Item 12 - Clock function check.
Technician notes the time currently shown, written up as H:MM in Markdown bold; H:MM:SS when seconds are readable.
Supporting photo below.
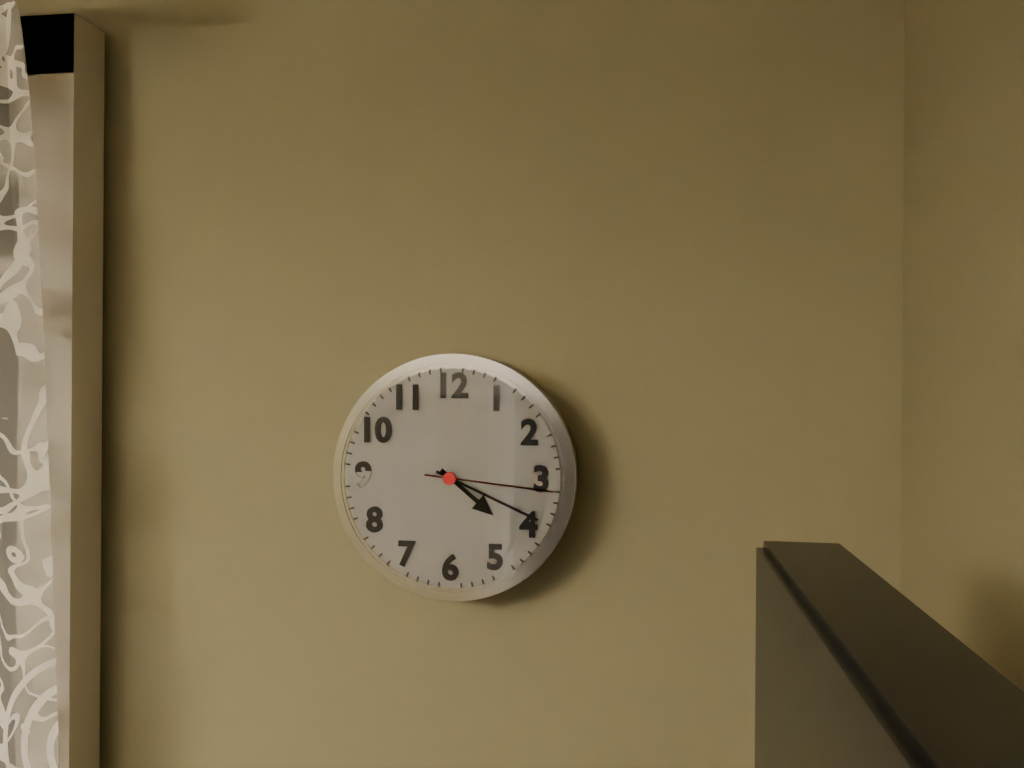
**4:19:16**
